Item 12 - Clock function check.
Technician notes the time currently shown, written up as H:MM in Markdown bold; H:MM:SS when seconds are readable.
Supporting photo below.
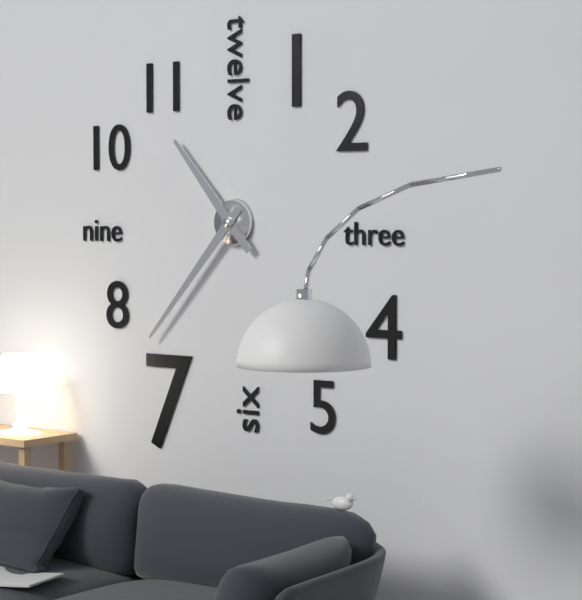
**10:37**
